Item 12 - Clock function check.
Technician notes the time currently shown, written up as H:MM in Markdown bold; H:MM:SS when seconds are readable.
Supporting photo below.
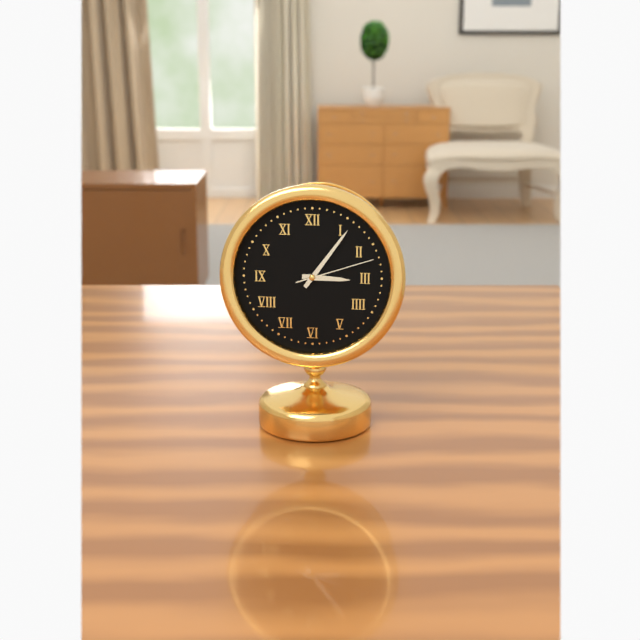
**3:06:12**
